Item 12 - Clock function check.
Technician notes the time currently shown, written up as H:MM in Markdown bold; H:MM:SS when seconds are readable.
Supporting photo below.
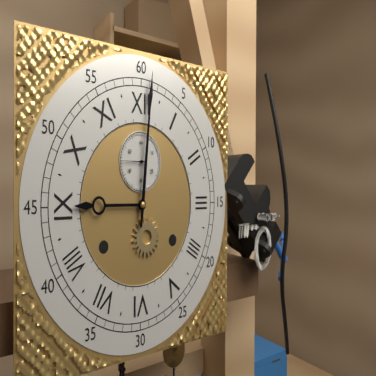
**9:01**
